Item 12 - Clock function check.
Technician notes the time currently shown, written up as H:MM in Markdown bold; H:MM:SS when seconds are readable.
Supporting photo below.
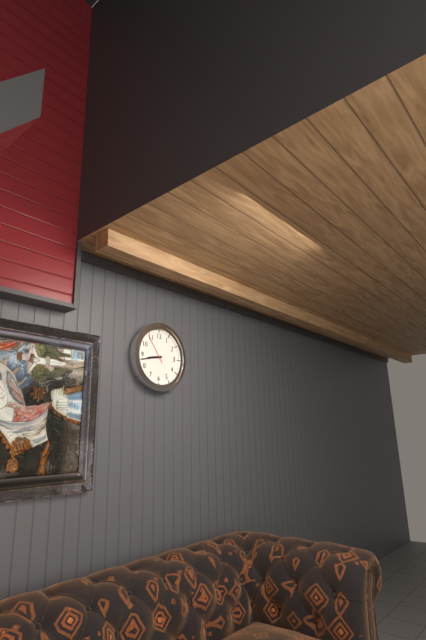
**8:43**
